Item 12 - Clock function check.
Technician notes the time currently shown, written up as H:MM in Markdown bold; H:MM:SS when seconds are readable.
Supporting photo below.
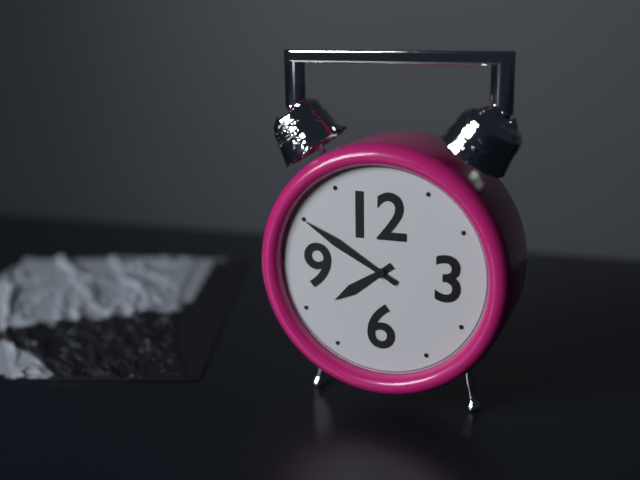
**7:50**
